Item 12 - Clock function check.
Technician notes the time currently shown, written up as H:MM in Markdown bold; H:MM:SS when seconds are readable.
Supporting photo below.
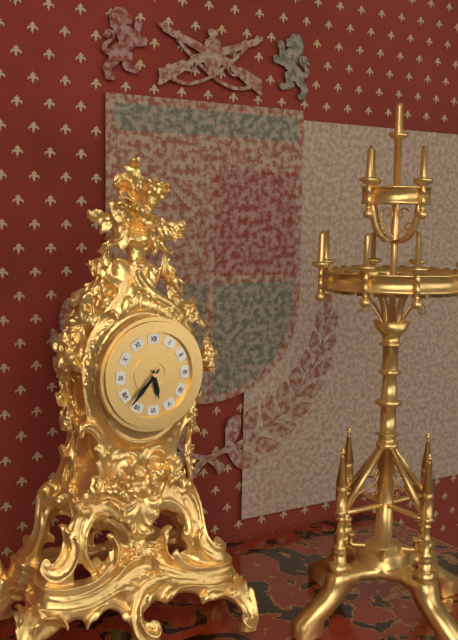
**5:37**
